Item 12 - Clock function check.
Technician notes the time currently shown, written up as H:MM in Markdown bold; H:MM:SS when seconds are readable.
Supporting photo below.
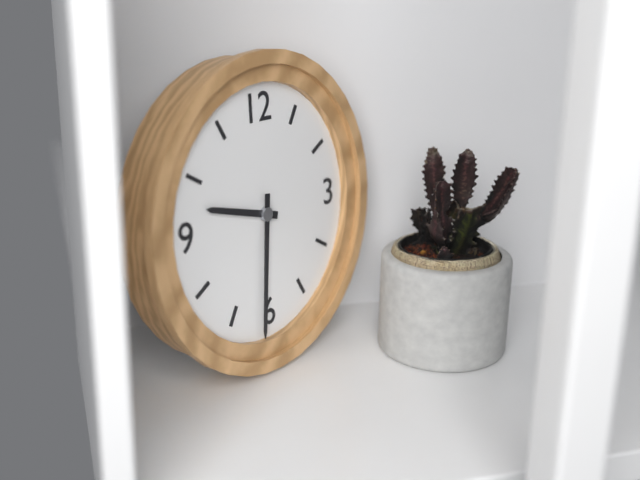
**9:31**
